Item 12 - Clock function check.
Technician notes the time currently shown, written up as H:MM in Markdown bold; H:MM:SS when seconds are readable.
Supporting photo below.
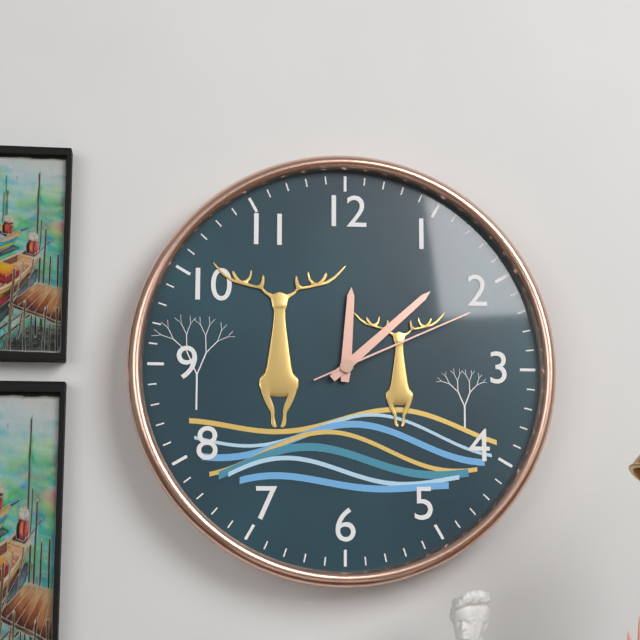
**12:08:11**
